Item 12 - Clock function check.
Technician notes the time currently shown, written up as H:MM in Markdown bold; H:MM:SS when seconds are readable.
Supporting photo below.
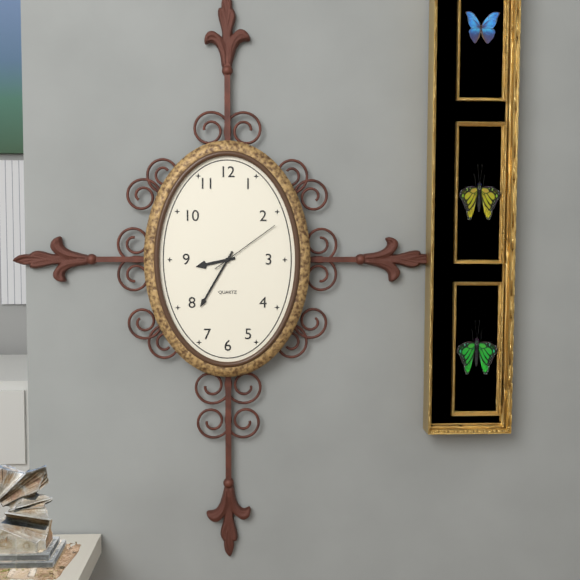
**8:35:09**
